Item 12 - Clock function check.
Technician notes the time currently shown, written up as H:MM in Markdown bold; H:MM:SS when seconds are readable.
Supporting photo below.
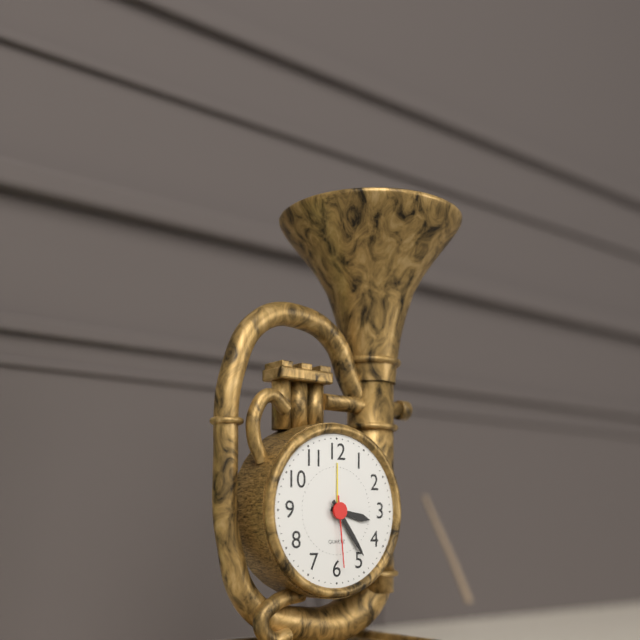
**3:24:29**
